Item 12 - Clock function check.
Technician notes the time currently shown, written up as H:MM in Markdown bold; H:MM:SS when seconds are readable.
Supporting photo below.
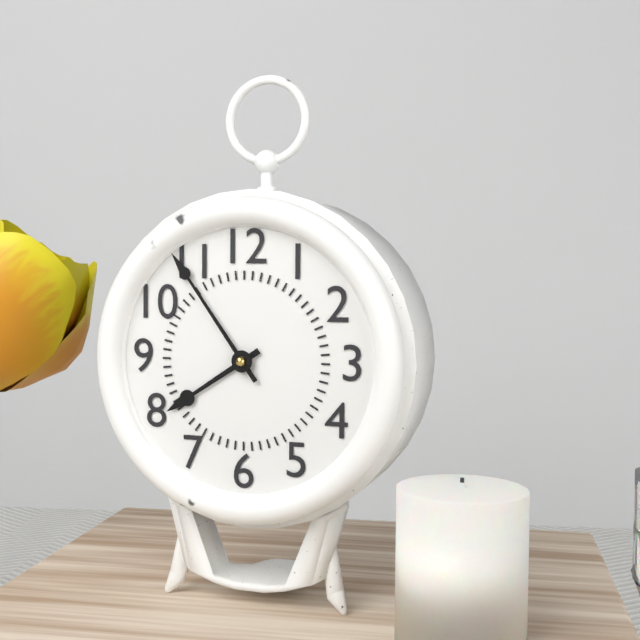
**7:54**
